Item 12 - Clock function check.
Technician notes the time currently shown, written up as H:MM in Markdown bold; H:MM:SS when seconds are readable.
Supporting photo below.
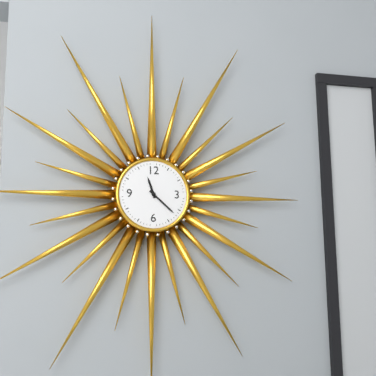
**11:22**
